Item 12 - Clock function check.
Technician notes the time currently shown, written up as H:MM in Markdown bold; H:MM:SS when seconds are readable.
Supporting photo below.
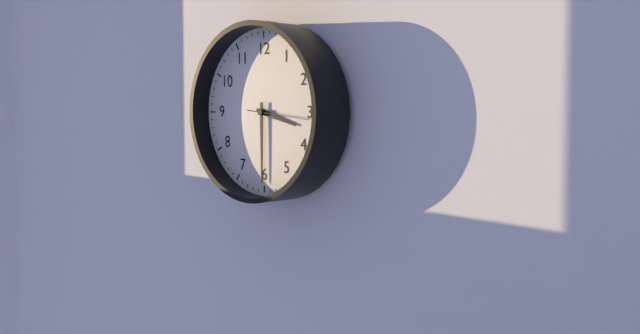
**3:30**
